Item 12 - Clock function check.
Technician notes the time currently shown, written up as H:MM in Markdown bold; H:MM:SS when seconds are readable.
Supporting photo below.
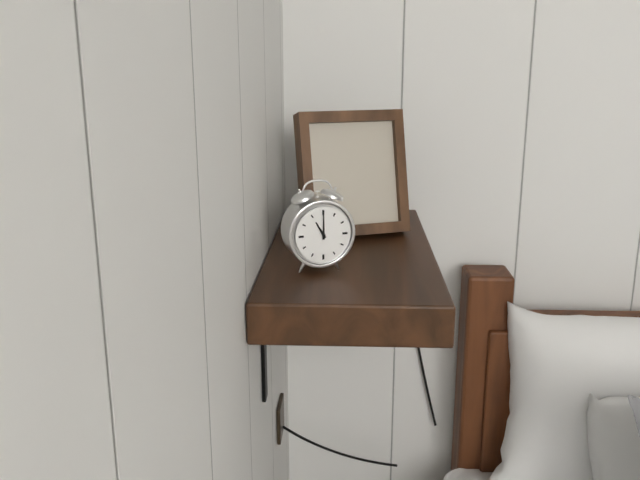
**11:00**
